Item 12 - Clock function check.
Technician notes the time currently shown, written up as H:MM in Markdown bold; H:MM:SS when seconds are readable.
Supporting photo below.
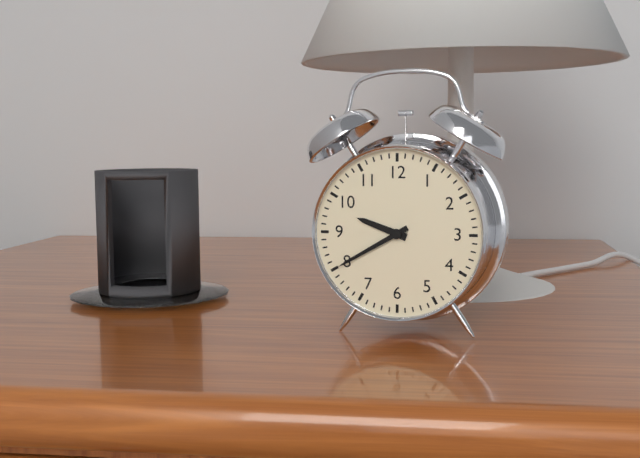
**9:40**
